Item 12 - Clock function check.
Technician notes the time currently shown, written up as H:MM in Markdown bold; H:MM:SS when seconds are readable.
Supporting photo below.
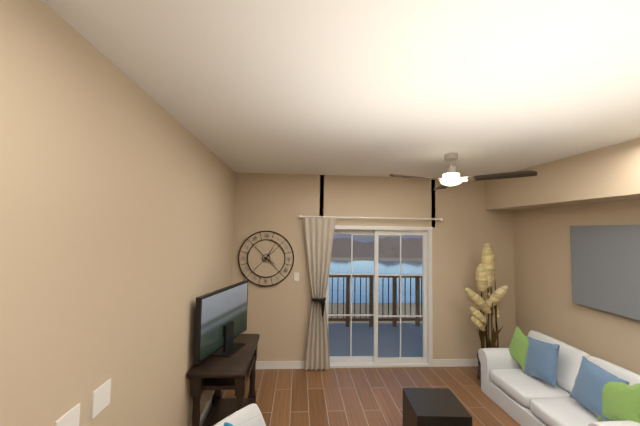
**4:05**
